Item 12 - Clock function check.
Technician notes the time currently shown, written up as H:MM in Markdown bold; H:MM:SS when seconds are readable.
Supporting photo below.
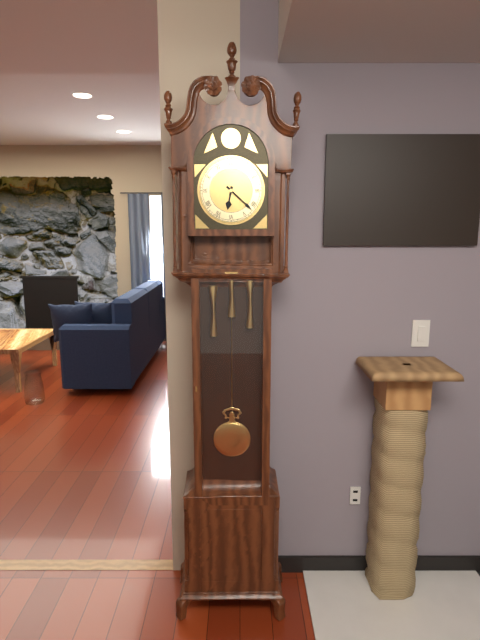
**6:22**
